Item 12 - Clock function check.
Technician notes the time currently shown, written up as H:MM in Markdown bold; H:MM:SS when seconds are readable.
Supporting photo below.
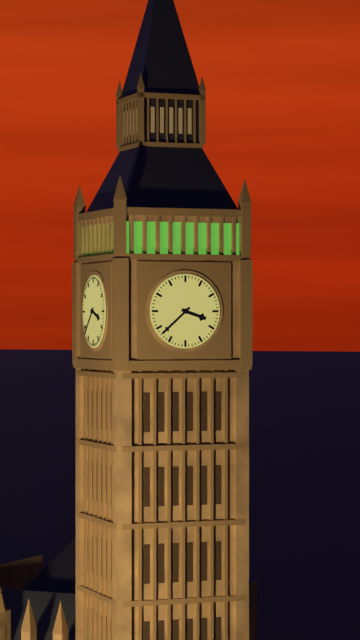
**3:38**
